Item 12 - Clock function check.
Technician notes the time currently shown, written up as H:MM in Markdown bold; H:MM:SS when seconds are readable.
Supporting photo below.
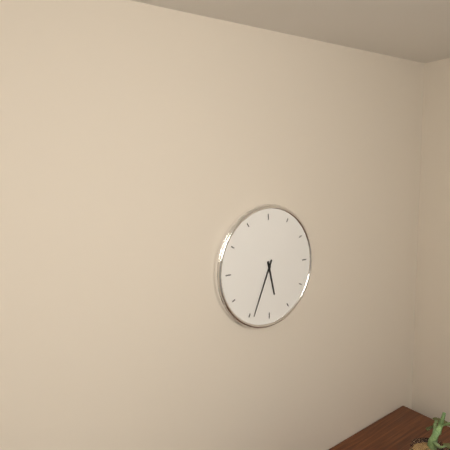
**5:34**
